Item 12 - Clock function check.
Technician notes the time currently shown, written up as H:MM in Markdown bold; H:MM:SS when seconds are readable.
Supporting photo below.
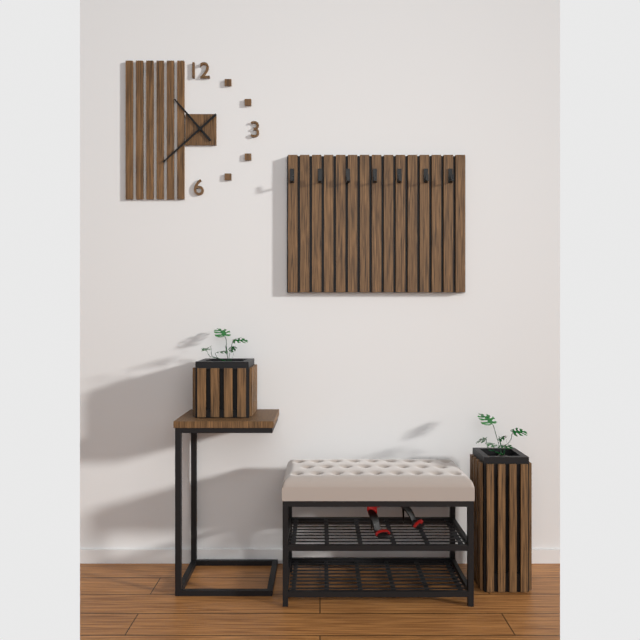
**10:38**
